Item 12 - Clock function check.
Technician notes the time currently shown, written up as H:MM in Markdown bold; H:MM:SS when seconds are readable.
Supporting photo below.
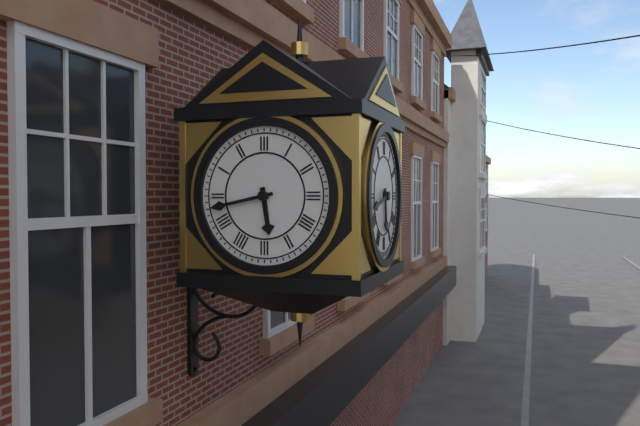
**5:43**
